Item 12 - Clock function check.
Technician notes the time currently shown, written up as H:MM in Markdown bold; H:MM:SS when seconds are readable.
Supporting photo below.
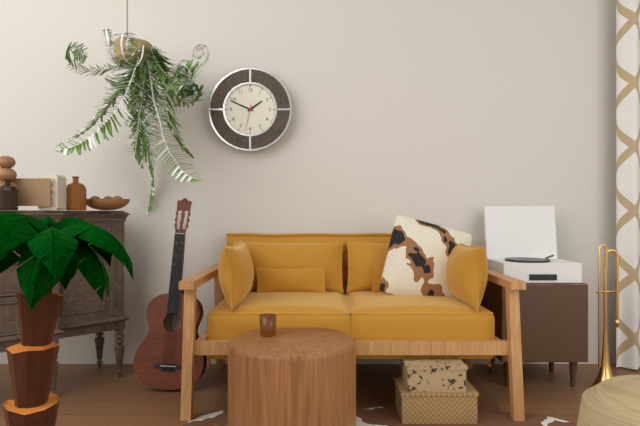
**1:49**
